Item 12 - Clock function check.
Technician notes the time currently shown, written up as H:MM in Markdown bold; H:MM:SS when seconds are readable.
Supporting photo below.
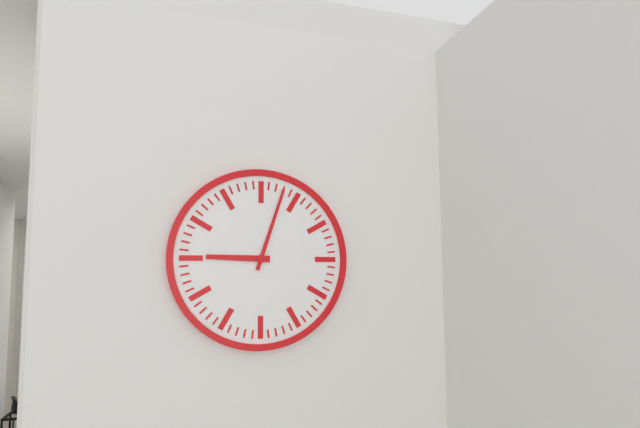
**9:03**
